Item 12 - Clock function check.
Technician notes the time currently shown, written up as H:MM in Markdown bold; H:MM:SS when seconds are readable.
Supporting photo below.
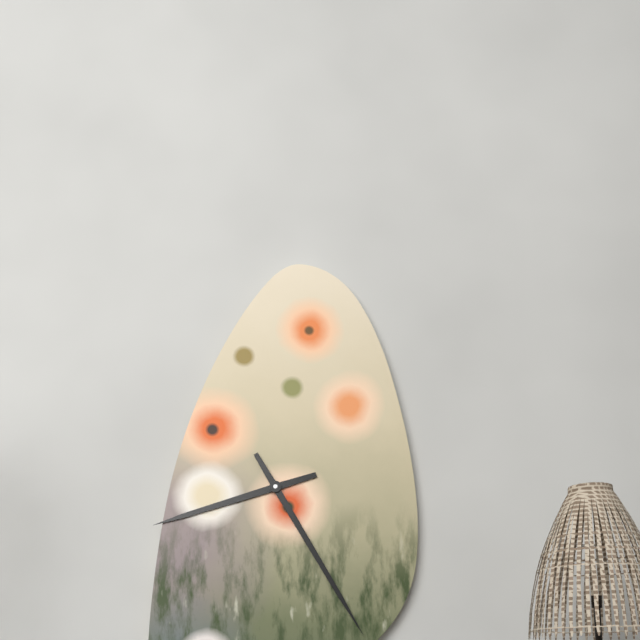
**8:25**
